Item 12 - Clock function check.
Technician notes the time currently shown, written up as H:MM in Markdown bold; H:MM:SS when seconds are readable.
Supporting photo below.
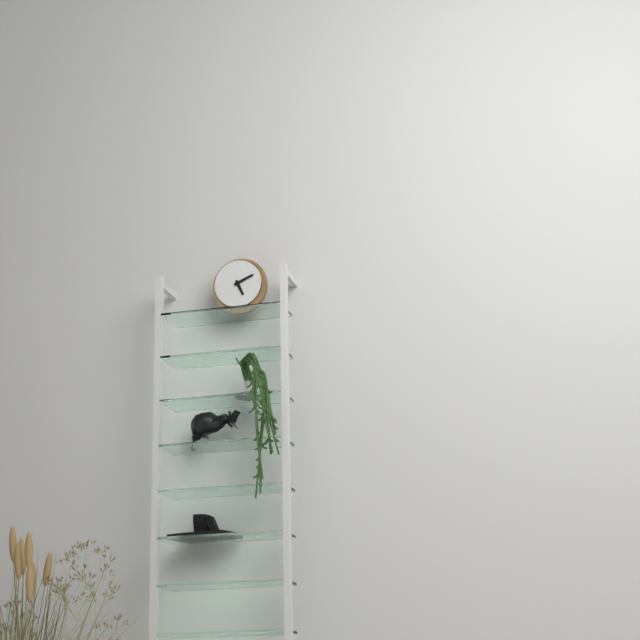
**5:11**
